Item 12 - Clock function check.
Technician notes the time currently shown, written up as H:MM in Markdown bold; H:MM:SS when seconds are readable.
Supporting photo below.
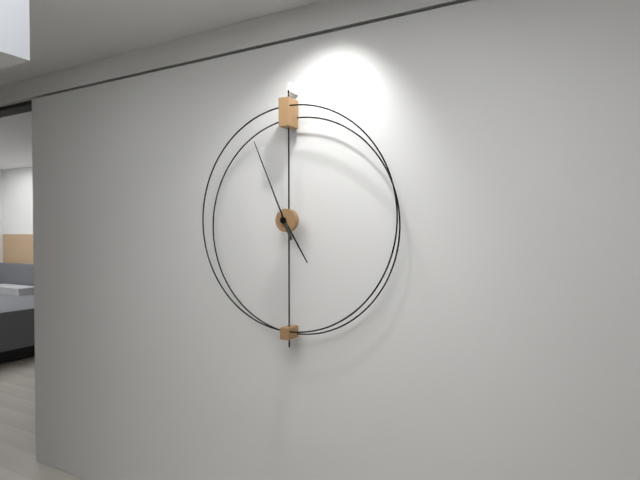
**4:56**
